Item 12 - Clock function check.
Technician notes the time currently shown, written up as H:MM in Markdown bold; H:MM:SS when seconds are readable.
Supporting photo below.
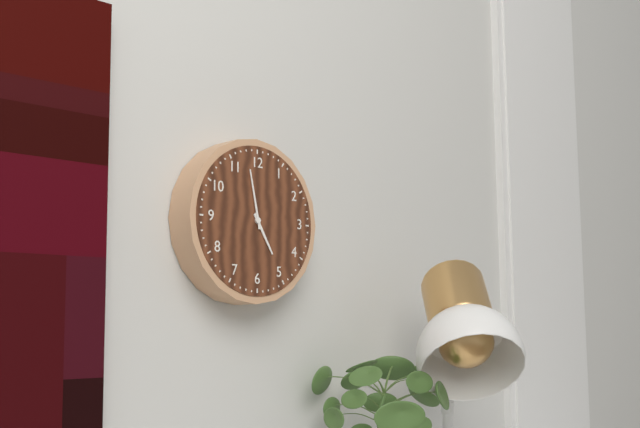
**4:58**
